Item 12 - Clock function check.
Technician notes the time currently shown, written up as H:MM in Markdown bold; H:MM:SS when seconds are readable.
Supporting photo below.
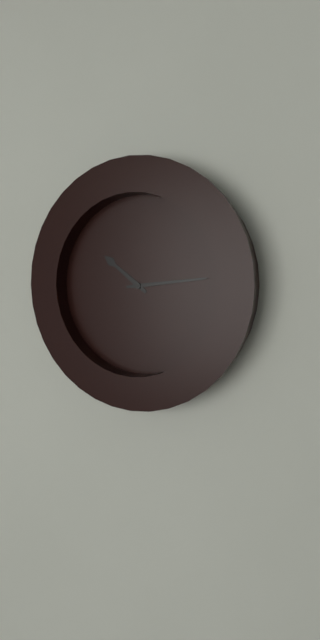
**10:14**
